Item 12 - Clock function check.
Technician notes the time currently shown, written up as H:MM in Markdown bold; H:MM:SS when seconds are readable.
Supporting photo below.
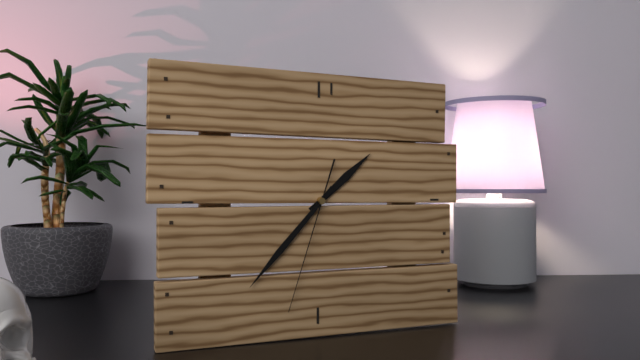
**1:37:33**
